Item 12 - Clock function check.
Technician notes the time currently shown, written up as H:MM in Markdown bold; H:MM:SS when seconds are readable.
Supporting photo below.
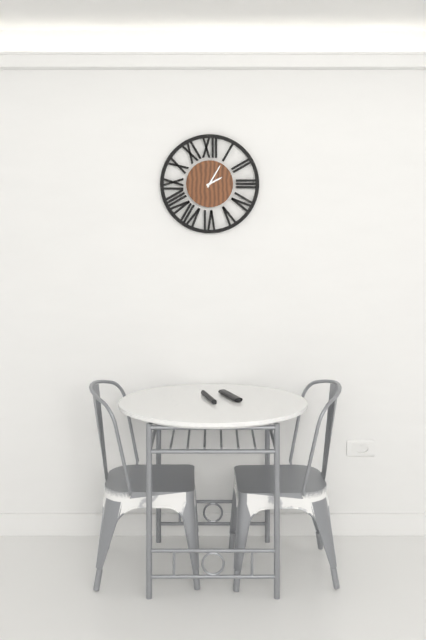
**2:05**
